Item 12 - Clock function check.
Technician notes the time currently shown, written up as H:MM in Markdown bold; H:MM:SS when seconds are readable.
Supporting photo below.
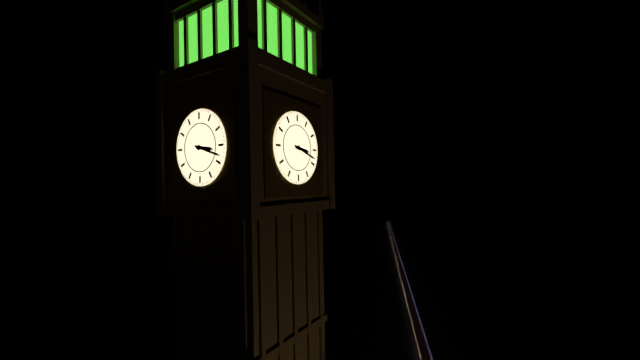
**3:18**
